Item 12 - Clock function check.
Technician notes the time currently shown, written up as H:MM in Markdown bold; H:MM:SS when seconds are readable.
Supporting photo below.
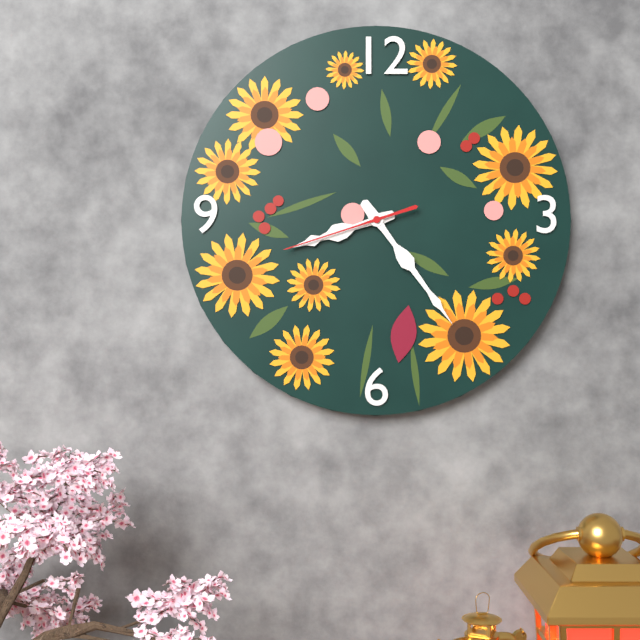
**8:24:42**
